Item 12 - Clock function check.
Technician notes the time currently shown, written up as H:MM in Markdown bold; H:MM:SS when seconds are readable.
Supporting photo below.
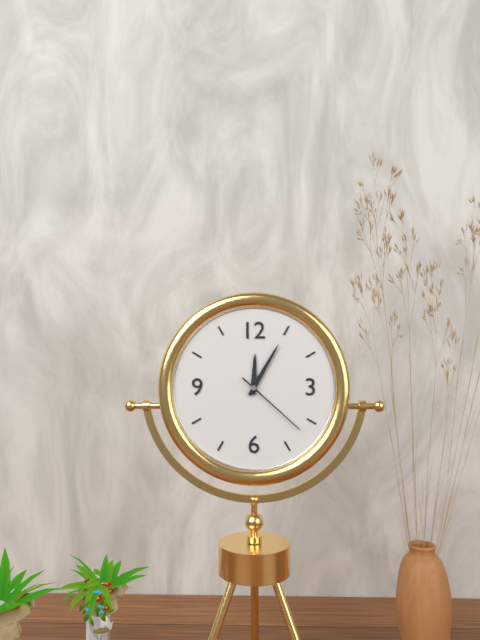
**12:05:22**
